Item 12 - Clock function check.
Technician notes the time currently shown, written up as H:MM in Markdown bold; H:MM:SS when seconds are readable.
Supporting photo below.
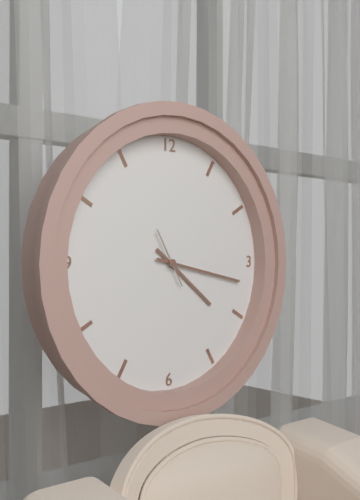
**4:17**
